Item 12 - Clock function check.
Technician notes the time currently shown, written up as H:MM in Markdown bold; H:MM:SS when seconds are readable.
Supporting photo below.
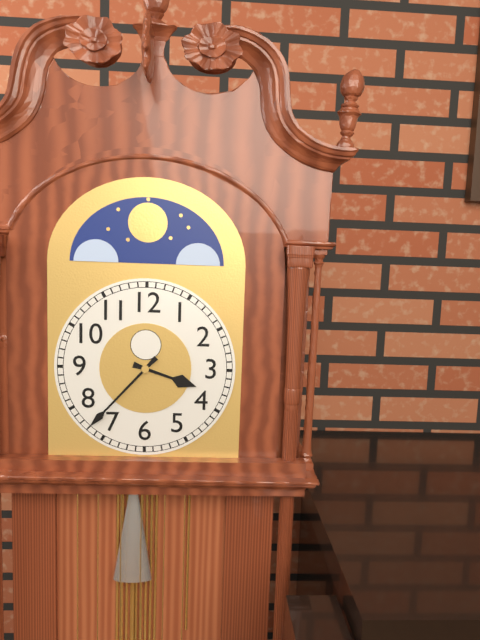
**3:37**
